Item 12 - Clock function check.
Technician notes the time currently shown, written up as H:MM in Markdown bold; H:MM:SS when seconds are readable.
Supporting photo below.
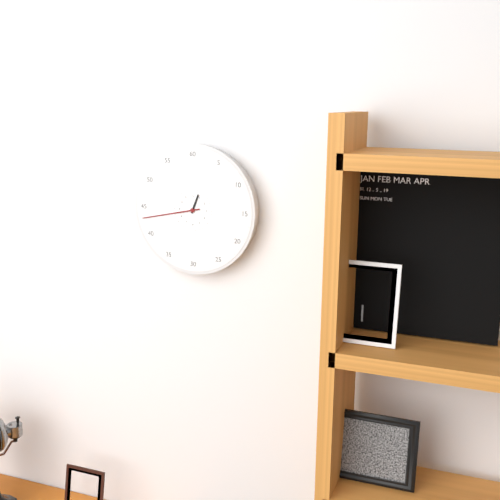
**12:43**
